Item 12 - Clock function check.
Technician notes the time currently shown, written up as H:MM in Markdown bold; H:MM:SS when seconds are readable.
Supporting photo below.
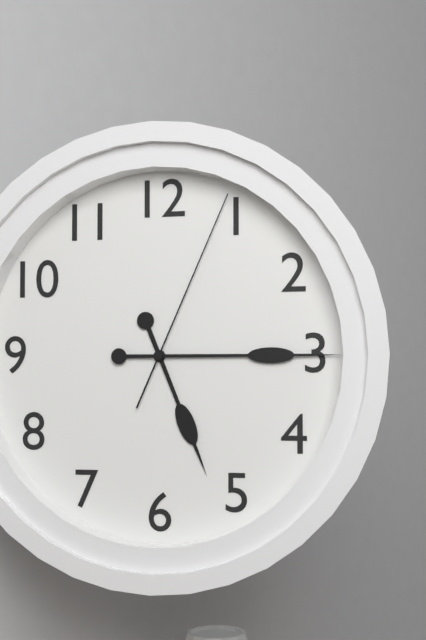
**5:15:04**
